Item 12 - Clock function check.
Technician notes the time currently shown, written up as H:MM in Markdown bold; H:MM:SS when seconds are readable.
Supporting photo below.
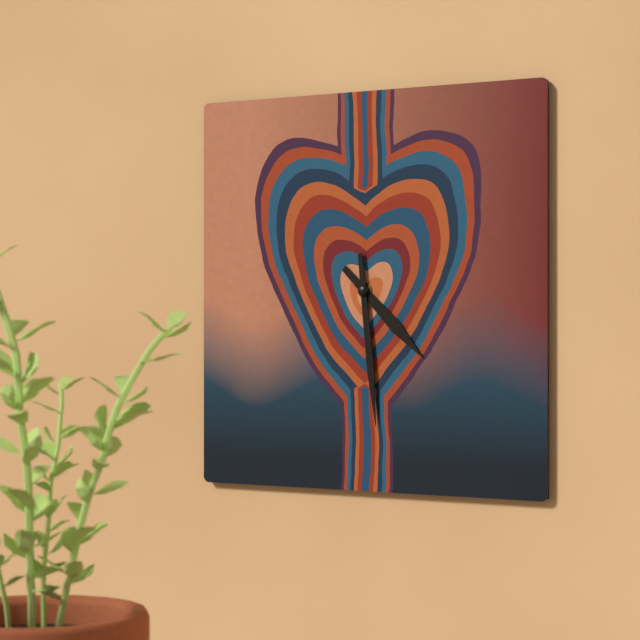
**4:29**
